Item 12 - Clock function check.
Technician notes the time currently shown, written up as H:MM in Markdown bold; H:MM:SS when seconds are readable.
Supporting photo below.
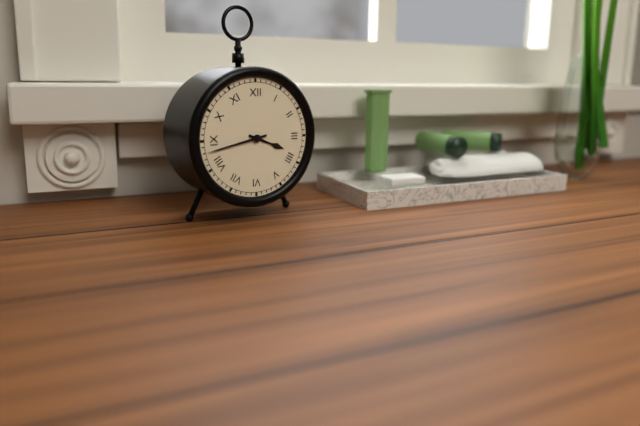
**3:43**
